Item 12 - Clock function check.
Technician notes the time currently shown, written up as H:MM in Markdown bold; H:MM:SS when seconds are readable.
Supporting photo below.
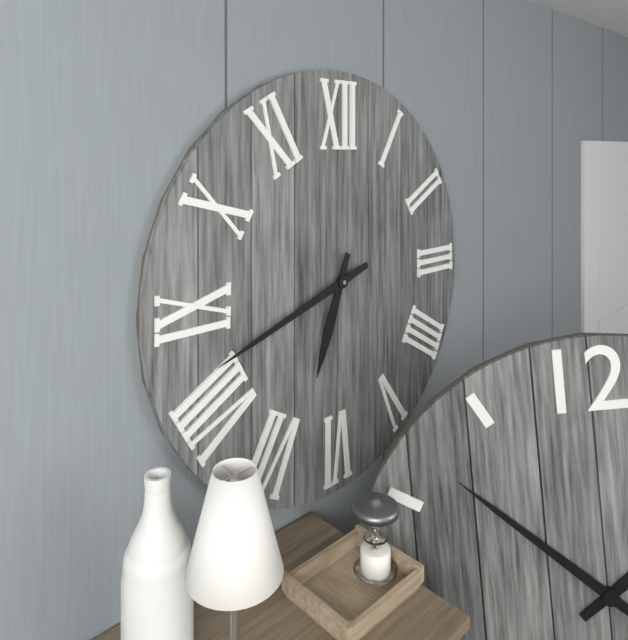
**6:42**
